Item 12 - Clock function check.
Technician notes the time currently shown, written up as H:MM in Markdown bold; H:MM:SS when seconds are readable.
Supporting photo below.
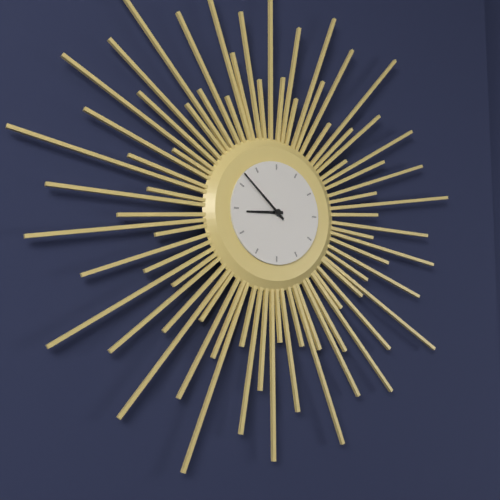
**8:52**
